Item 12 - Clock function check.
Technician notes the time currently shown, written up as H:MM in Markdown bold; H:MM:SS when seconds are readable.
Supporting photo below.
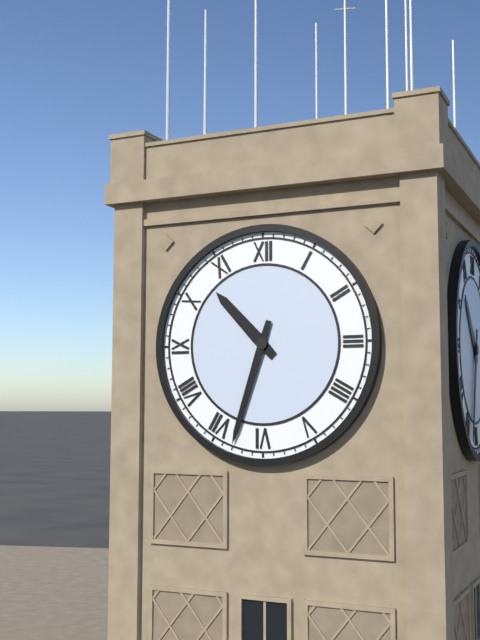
**10:33**
